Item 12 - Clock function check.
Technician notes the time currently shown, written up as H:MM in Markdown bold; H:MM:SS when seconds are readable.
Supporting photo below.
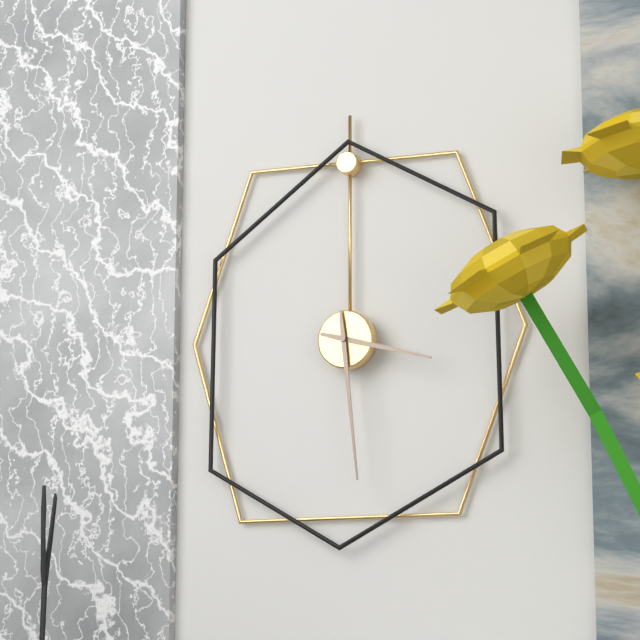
**3:29**
